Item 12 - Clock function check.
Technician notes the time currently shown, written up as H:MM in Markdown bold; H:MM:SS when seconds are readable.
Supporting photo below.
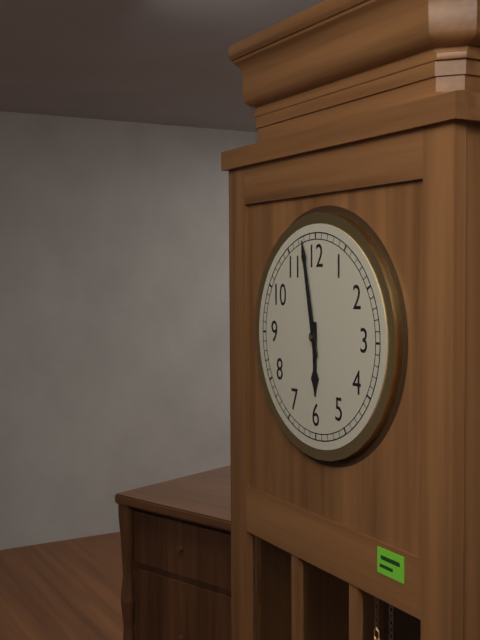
**5:58**
